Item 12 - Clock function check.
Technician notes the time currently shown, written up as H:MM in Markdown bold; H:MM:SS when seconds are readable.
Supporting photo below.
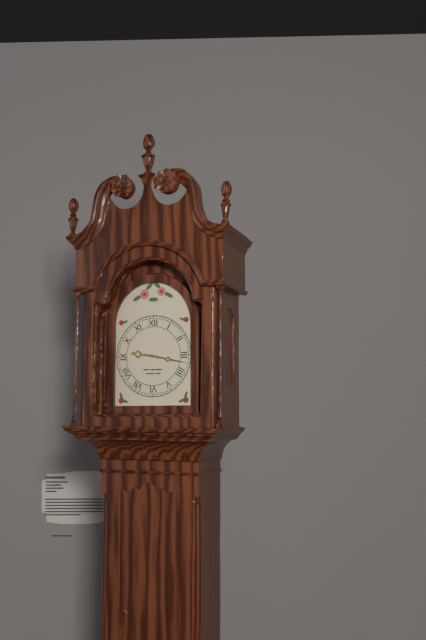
**9:17**
